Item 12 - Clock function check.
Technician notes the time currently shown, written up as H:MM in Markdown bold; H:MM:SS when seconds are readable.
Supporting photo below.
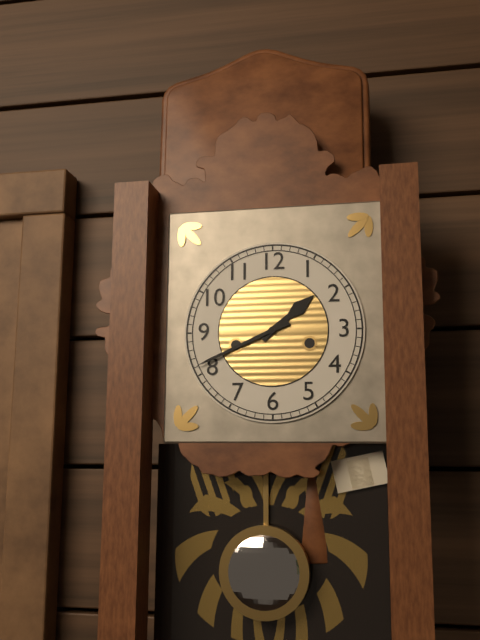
**1:41**
